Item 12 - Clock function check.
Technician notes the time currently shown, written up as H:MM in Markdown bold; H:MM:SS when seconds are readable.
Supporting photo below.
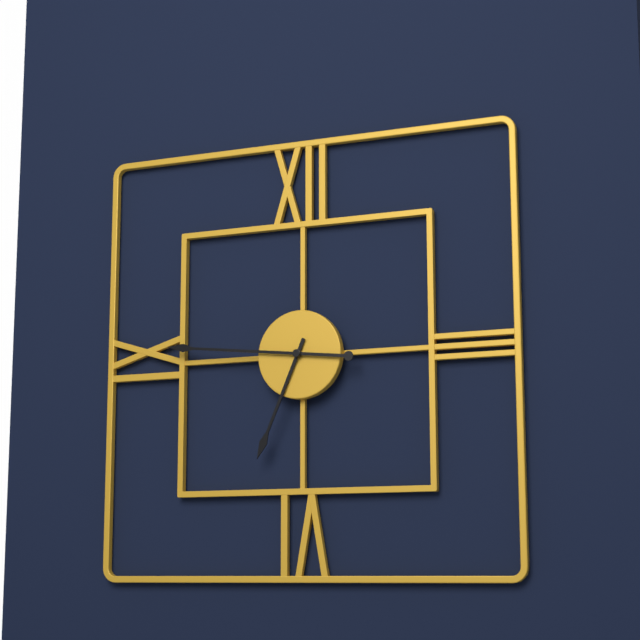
**6:46**
